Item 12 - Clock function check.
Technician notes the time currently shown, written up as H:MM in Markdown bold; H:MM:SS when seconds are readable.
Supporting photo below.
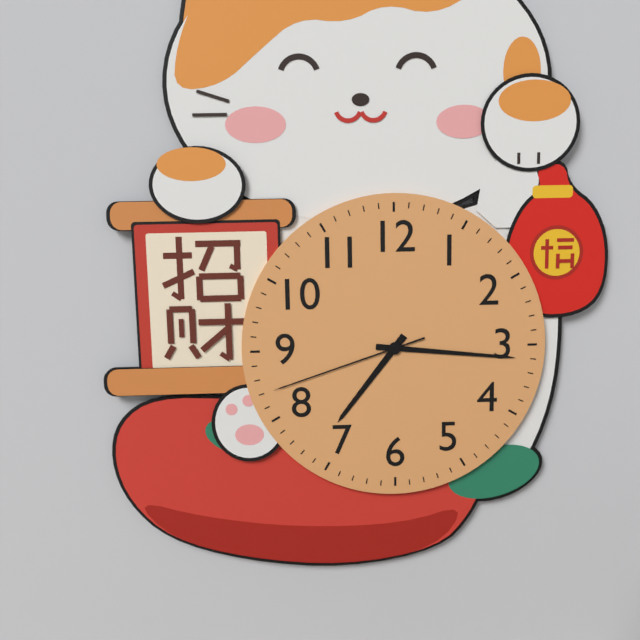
**7:16:42**
